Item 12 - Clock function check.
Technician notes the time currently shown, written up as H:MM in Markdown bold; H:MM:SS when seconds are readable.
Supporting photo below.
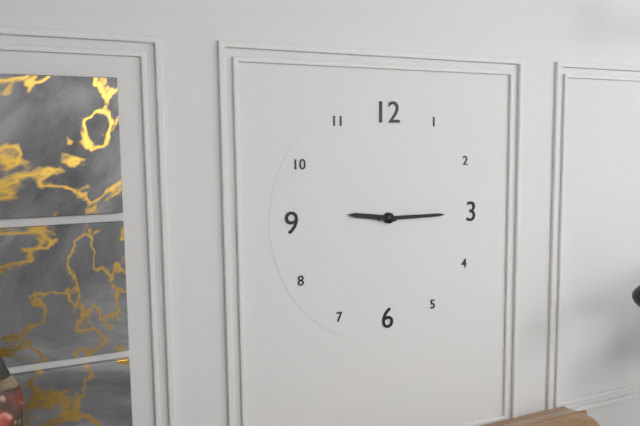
**9:15**
